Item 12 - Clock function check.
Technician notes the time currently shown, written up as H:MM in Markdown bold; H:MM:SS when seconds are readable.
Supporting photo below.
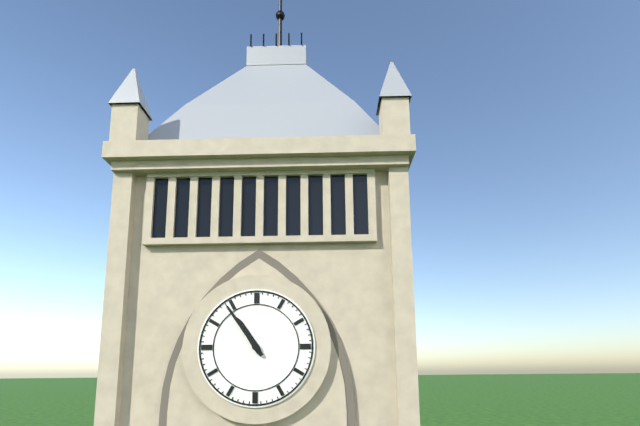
**10:54**
